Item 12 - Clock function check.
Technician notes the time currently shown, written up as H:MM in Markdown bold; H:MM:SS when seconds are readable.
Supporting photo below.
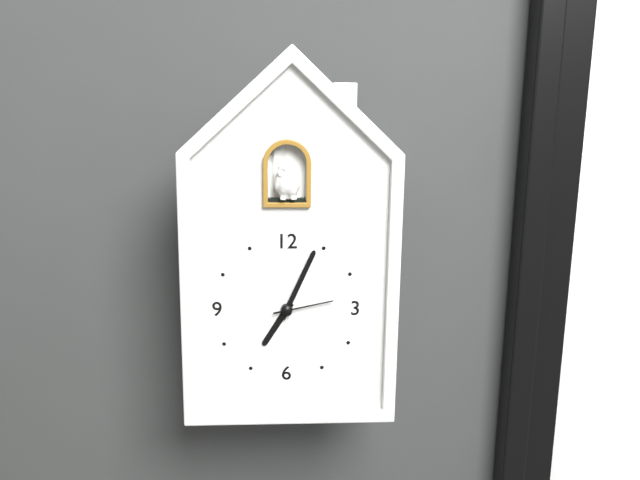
**7:04:13**
